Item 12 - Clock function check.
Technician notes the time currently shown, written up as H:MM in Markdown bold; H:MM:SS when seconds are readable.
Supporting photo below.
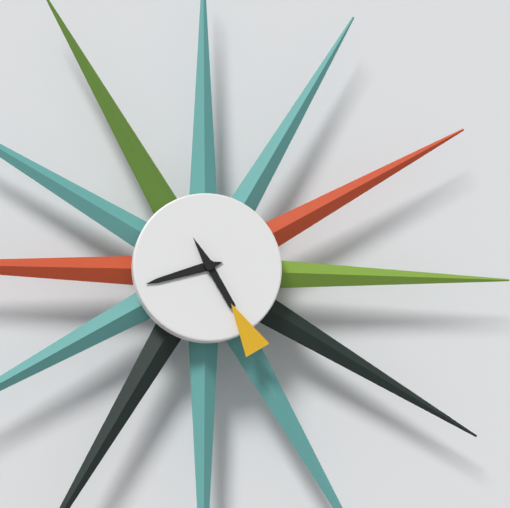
**8:25**
